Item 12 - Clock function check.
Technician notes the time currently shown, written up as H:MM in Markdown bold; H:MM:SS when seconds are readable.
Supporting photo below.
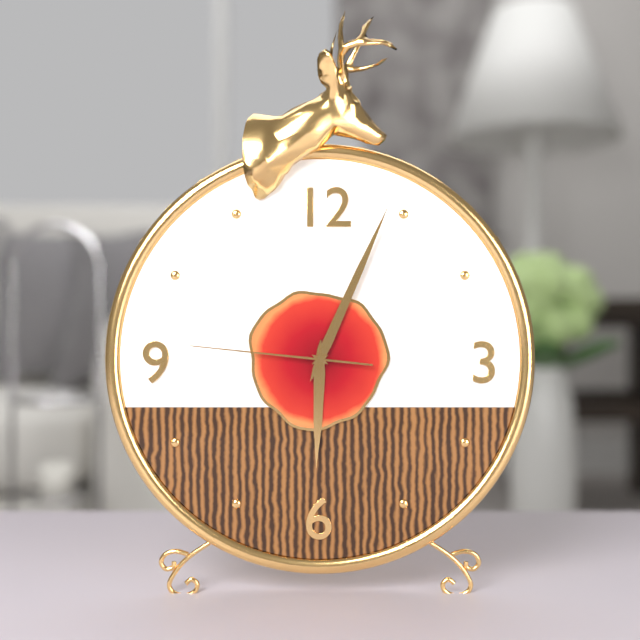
**6:04:46**
